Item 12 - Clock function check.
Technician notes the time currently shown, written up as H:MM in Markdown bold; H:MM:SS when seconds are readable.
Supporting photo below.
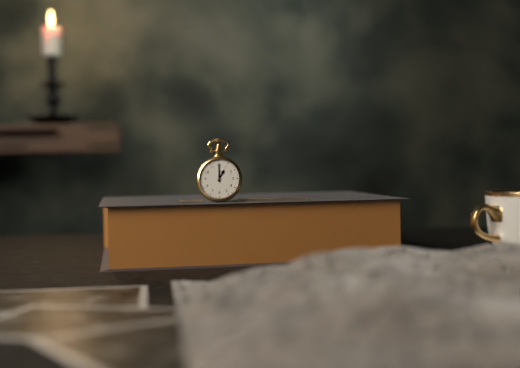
**1:00**
